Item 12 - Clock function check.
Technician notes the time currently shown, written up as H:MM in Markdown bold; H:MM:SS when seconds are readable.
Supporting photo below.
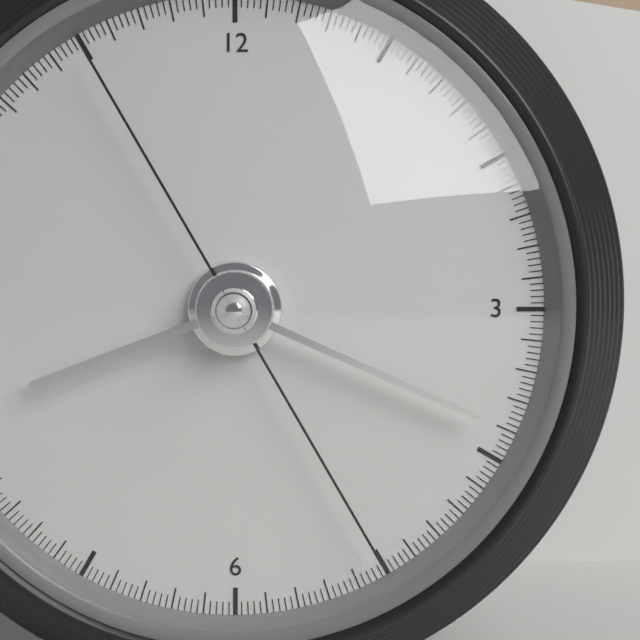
**8:19:55**
